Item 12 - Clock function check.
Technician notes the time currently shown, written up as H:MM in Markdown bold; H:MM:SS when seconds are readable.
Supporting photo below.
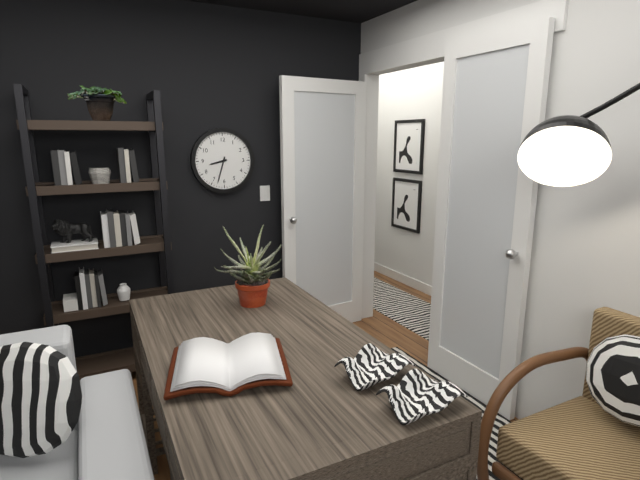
**8:33**
